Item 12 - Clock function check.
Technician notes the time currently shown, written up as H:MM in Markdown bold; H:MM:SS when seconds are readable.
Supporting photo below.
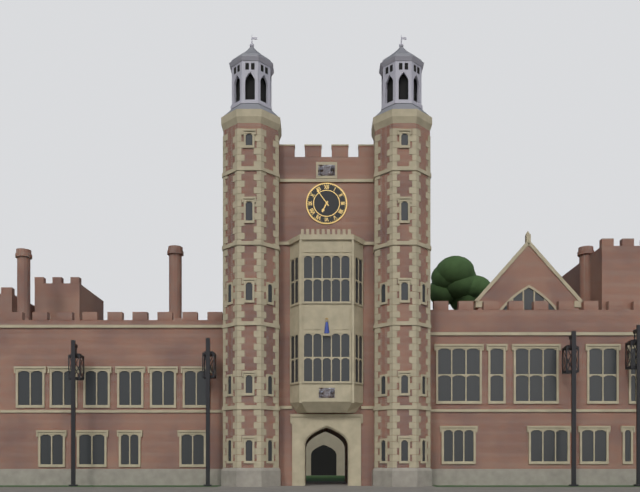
**6:54**
